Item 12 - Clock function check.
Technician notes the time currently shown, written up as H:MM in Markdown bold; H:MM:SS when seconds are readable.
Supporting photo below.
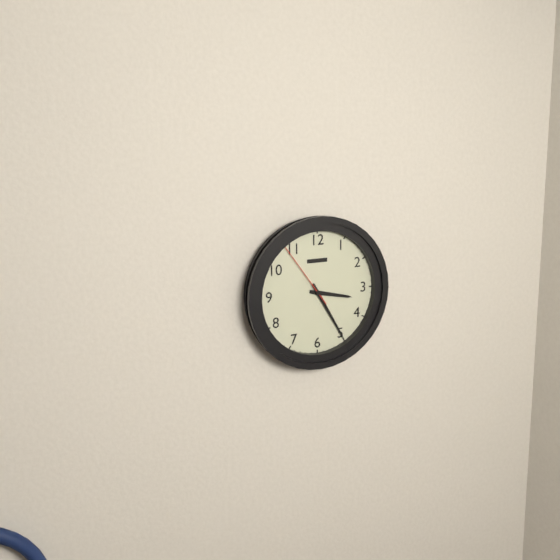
**3:25:54**
